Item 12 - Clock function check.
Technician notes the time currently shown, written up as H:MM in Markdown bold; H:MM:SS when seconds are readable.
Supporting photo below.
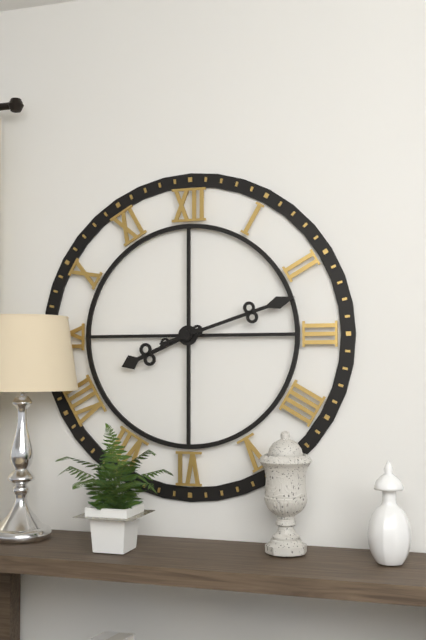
**8:12**
